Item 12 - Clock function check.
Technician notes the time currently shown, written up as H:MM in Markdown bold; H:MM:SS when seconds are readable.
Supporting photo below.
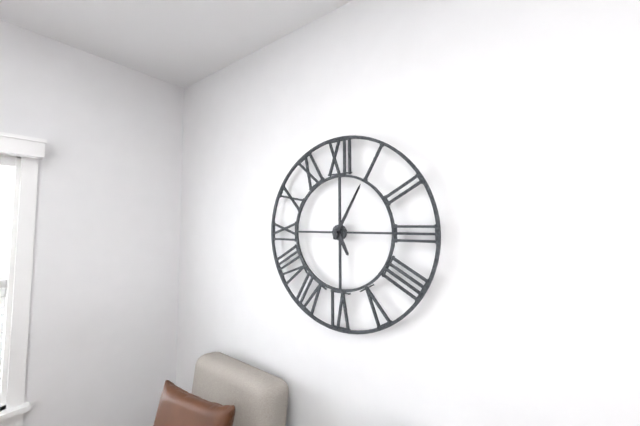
**5:05**
